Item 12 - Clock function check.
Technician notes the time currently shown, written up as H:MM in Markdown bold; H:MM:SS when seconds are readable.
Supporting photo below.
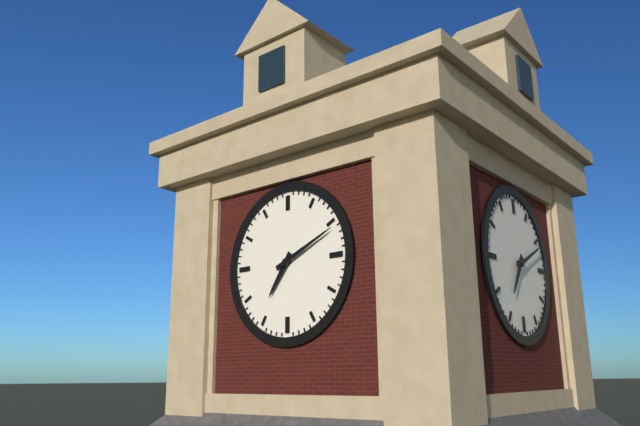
**7:11**
